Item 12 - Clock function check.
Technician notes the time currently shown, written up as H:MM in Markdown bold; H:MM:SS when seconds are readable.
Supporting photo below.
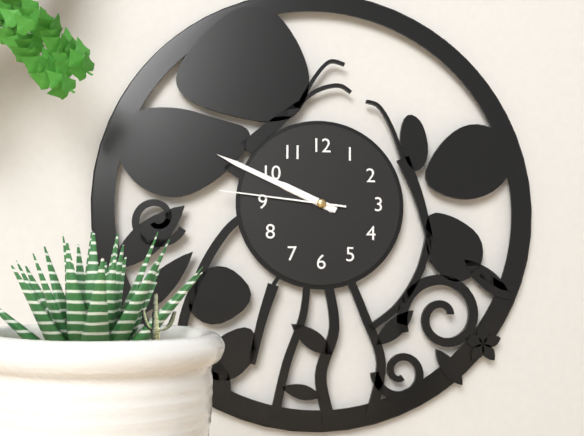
**9:49:46**
